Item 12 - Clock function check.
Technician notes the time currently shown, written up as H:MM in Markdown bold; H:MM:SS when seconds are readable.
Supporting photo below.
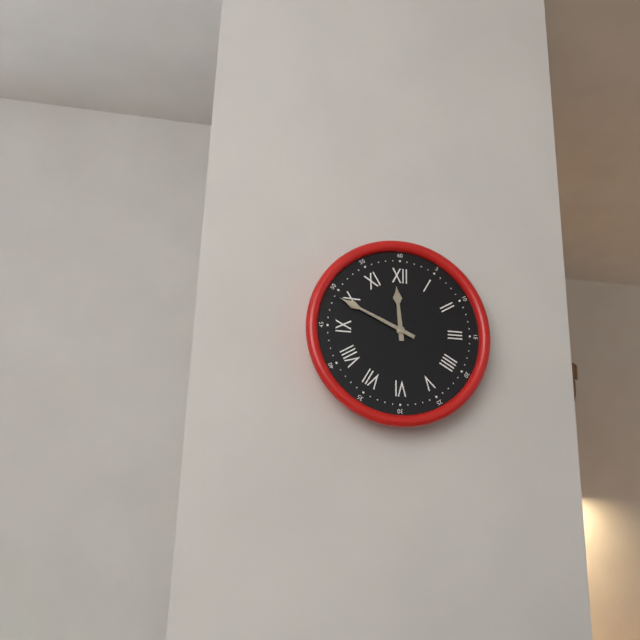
**11:49**
